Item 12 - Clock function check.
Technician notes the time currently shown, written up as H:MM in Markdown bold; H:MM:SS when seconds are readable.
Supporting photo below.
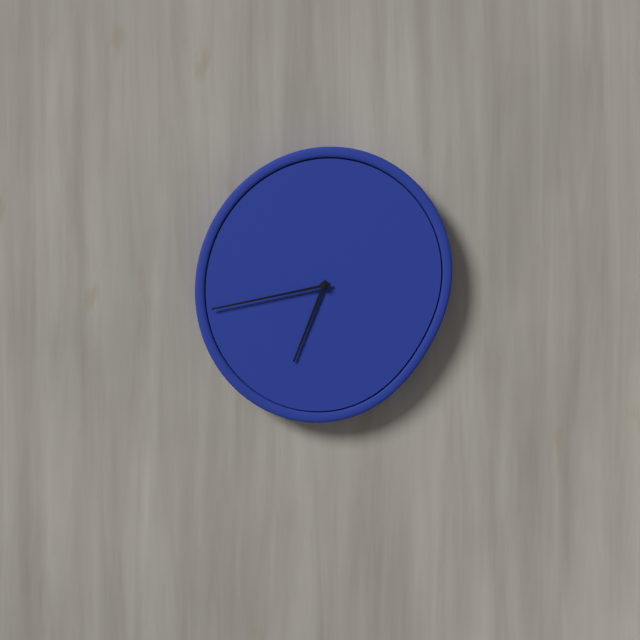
**6:43**
